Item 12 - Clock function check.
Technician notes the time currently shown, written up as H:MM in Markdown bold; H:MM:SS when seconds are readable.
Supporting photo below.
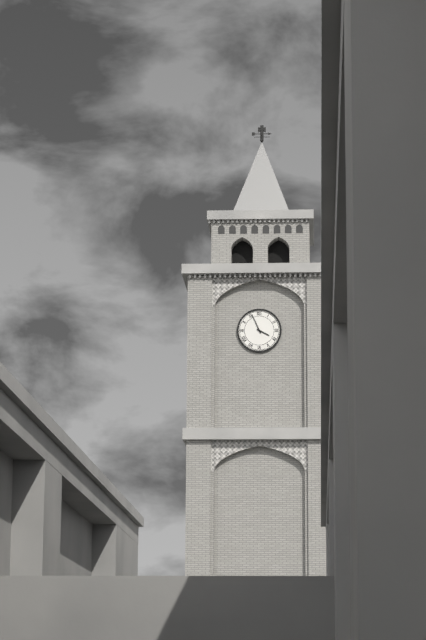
**3:56**
